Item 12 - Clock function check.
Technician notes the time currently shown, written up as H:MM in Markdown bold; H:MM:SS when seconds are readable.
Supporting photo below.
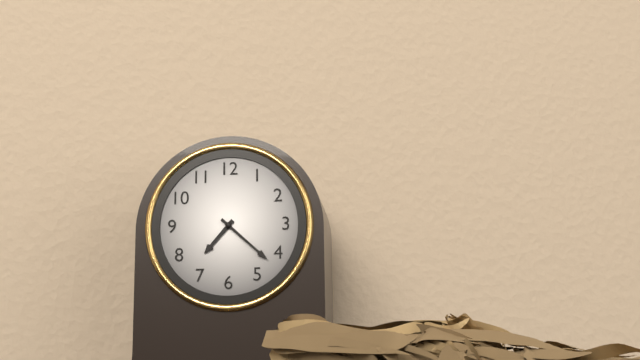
**7:22**
